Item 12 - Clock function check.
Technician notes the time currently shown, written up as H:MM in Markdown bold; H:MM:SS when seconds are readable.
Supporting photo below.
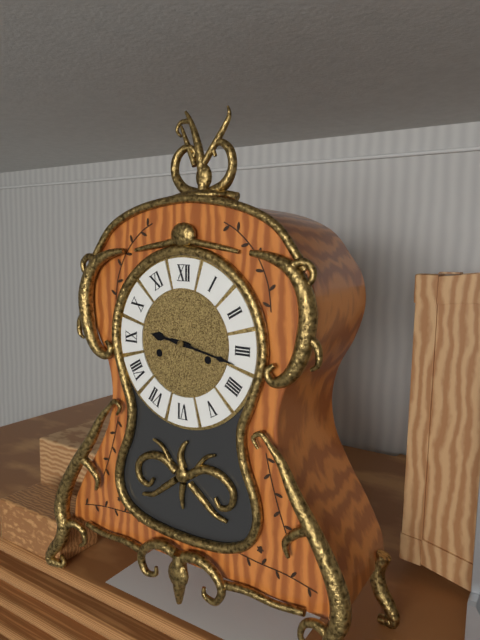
**9:17**
